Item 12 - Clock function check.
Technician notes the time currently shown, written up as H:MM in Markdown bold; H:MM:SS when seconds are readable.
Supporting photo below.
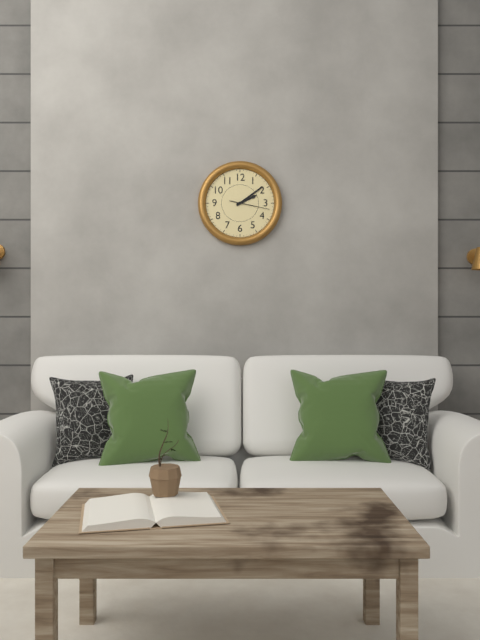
**2:09**
